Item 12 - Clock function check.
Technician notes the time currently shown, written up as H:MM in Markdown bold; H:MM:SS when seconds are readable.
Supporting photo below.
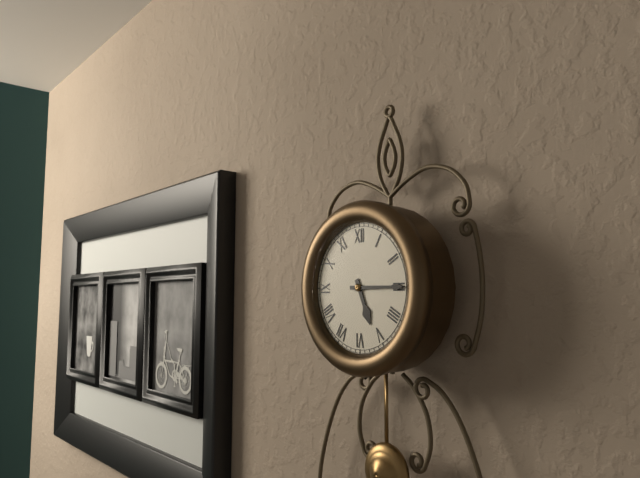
**5:15**
